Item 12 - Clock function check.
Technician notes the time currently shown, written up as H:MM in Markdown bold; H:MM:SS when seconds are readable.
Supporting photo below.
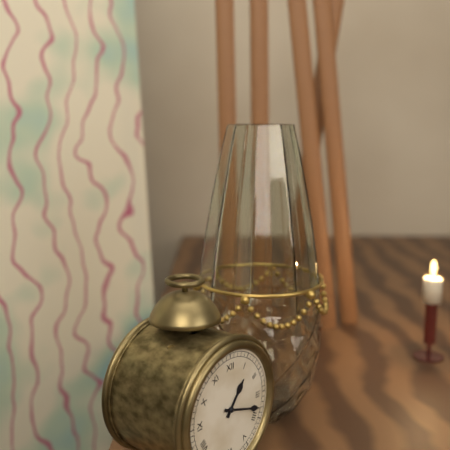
**1:18**
